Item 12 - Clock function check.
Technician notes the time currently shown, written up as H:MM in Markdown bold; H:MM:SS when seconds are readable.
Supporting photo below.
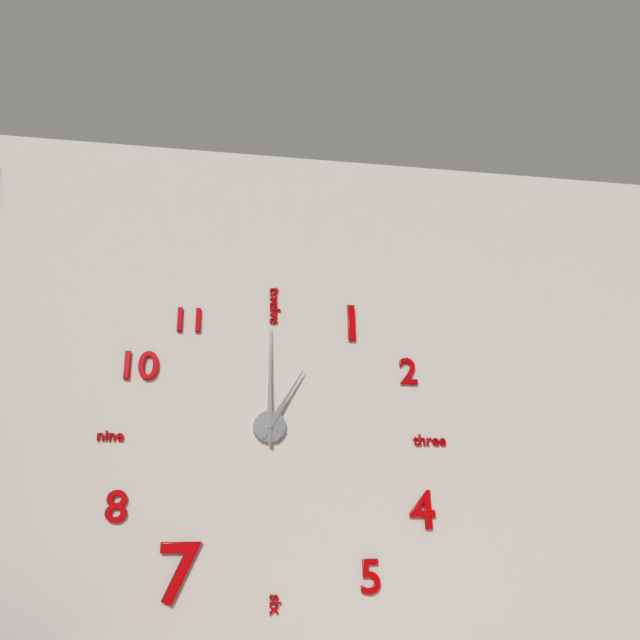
**1:00**
